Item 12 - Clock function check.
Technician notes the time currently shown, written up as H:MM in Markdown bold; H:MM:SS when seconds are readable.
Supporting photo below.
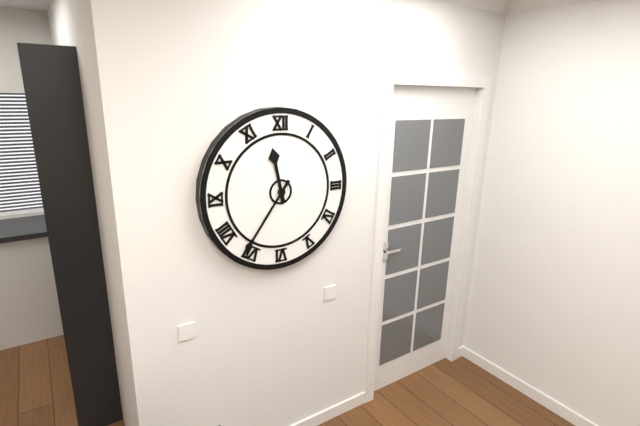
**11:36**
